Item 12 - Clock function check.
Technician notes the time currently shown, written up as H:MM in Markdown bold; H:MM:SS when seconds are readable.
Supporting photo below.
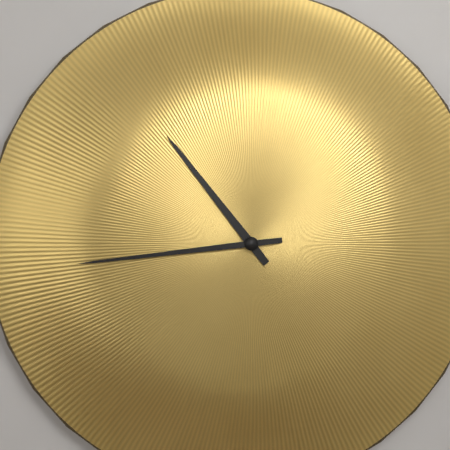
**10:44**
